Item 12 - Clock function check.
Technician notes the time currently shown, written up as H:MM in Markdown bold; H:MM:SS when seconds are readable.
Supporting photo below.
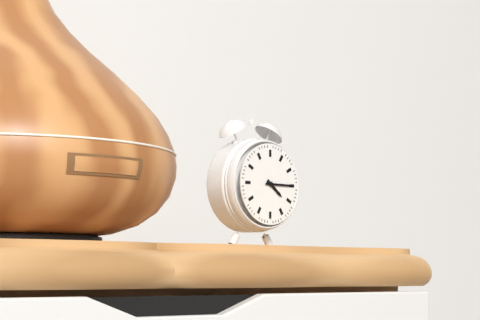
**4:15**
